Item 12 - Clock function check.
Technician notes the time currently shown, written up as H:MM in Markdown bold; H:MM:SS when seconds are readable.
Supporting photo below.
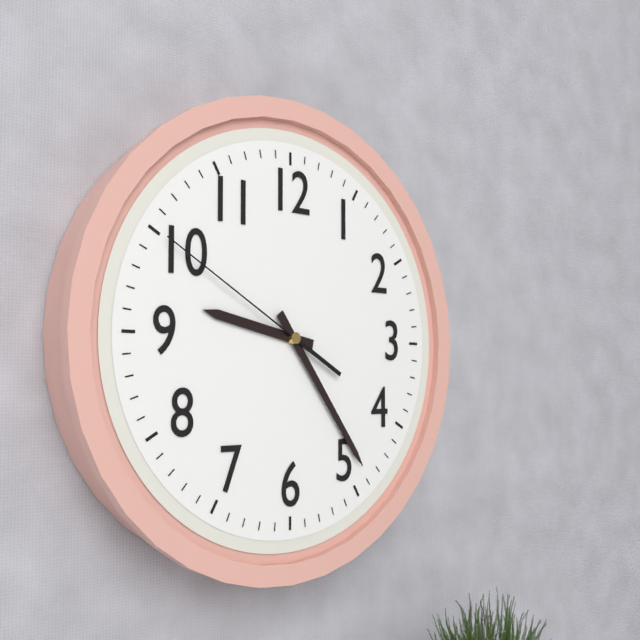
**9:24:50**
